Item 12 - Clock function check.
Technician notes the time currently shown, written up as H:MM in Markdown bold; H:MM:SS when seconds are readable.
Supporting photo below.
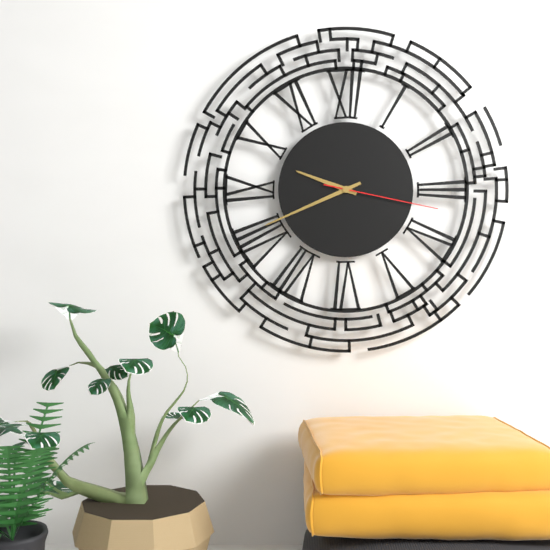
**9:41:17**
